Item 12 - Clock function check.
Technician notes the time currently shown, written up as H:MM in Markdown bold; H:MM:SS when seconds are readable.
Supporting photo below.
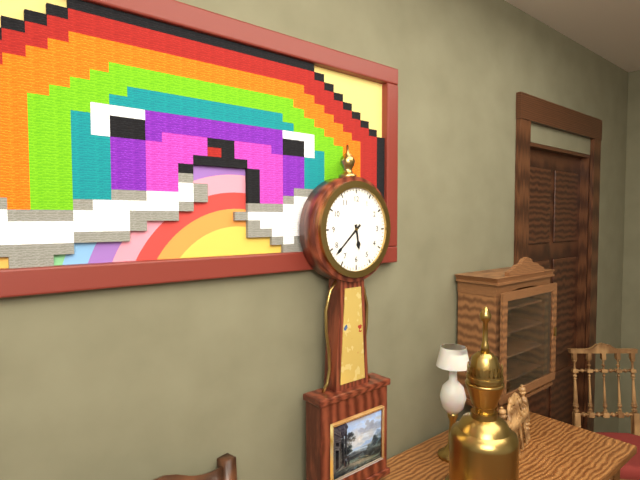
**5:38**
